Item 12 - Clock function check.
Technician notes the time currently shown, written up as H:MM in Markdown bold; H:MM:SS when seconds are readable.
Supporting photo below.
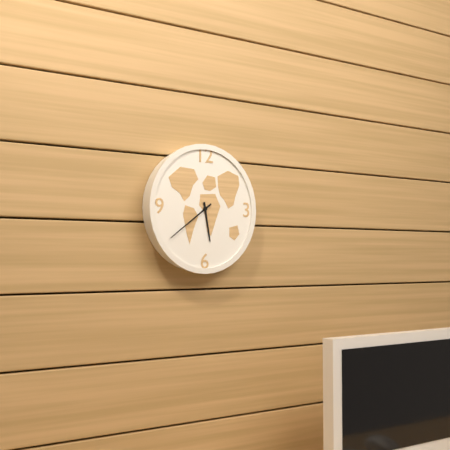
**5:39**
